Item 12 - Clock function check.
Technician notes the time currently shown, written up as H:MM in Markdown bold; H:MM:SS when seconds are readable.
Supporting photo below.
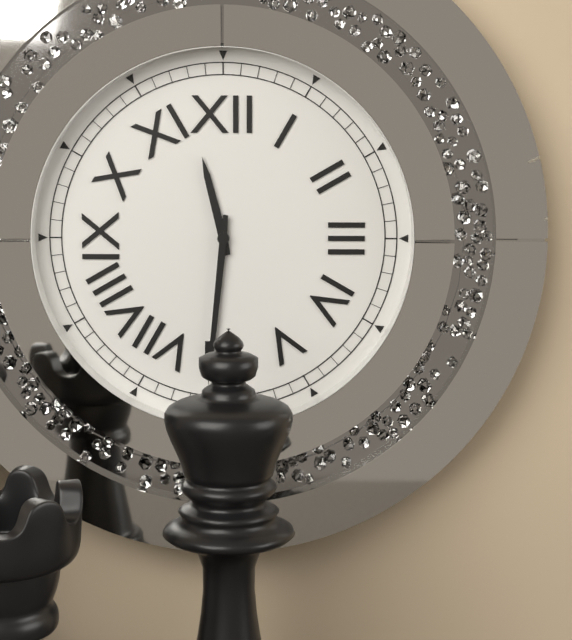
**11:31**
